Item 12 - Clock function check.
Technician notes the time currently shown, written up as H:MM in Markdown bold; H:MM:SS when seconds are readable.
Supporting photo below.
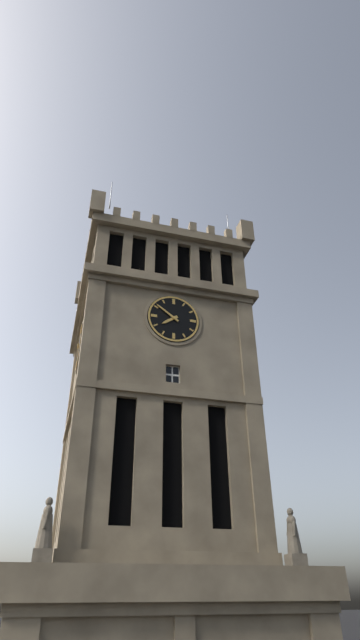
**7:51**
